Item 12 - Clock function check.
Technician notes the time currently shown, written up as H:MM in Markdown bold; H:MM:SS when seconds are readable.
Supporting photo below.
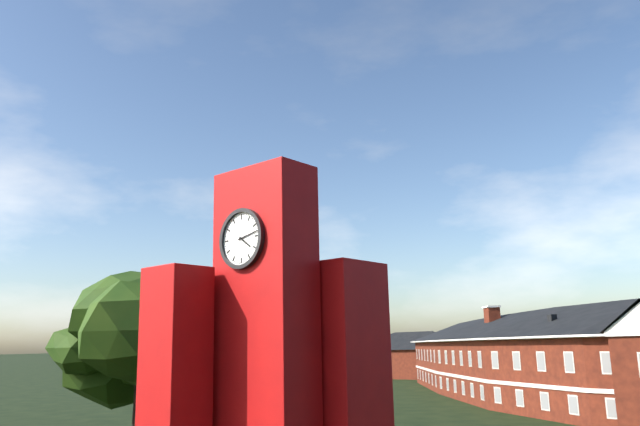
**4:13**
